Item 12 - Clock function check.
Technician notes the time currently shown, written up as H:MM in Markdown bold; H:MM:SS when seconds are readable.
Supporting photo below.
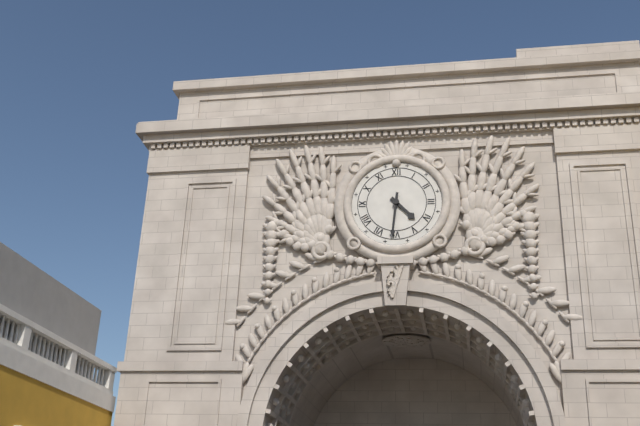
**4:31**
